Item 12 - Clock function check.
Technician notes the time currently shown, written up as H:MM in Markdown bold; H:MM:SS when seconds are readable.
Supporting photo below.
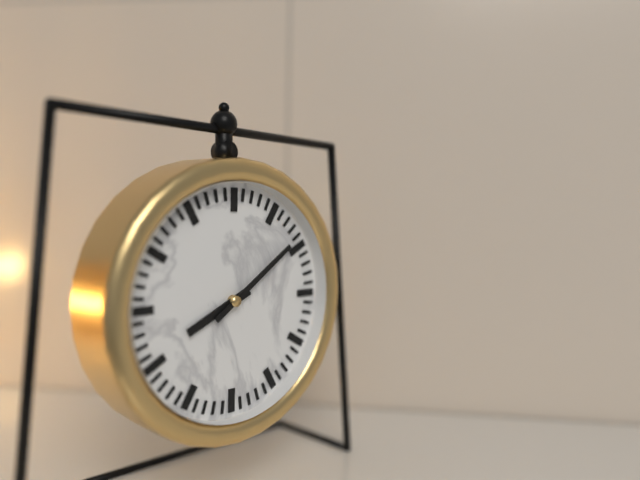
**8:09**
